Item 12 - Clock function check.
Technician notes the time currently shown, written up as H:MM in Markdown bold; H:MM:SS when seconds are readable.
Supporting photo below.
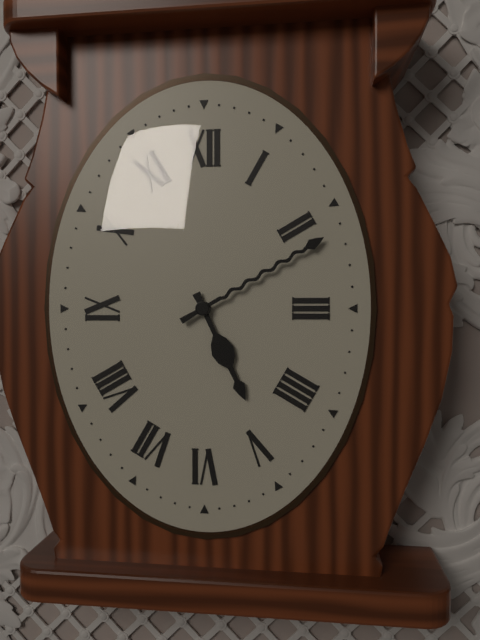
**5:10**
